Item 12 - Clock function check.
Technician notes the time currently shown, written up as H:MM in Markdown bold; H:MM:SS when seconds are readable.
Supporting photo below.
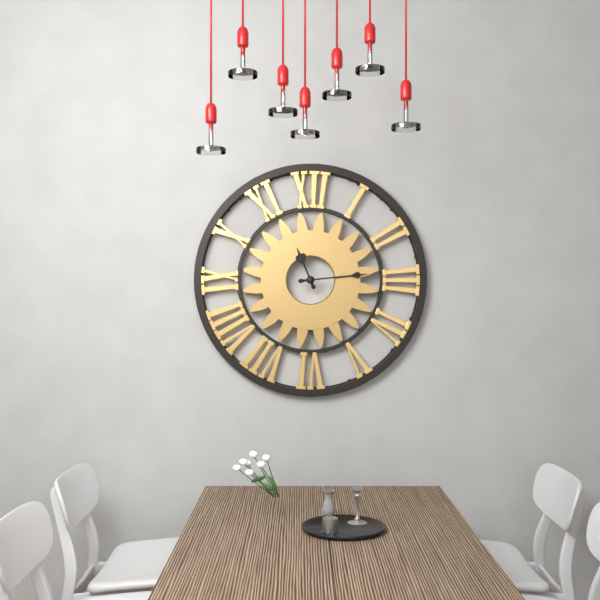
**11:14**
